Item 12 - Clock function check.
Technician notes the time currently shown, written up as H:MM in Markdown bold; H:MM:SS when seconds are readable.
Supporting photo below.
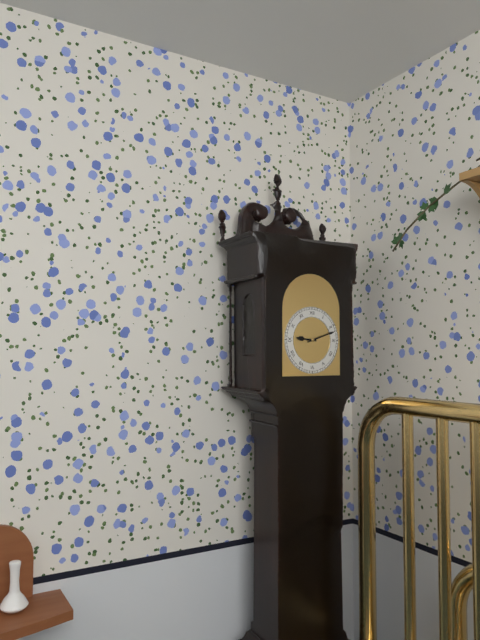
**9:12**
